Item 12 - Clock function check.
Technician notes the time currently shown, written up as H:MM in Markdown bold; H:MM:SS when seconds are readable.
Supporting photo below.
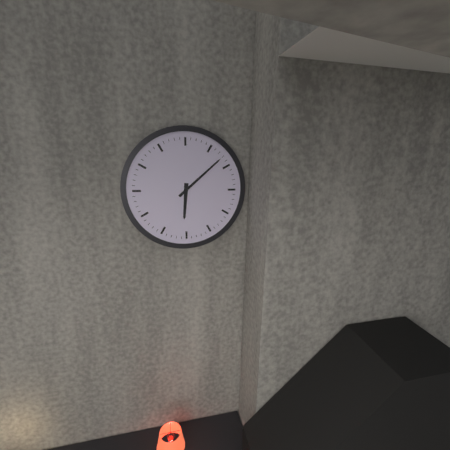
**6:08**
